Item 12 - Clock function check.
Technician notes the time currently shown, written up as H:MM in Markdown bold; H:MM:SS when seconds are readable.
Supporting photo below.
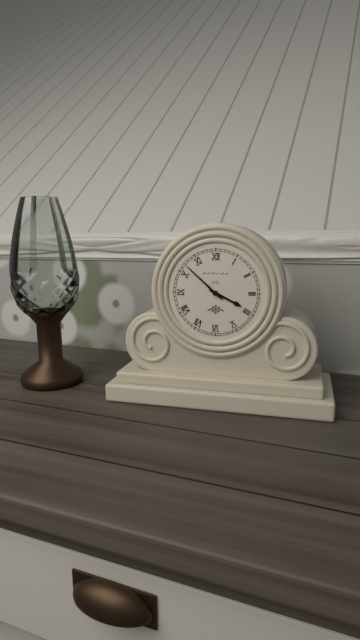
**3:52**
